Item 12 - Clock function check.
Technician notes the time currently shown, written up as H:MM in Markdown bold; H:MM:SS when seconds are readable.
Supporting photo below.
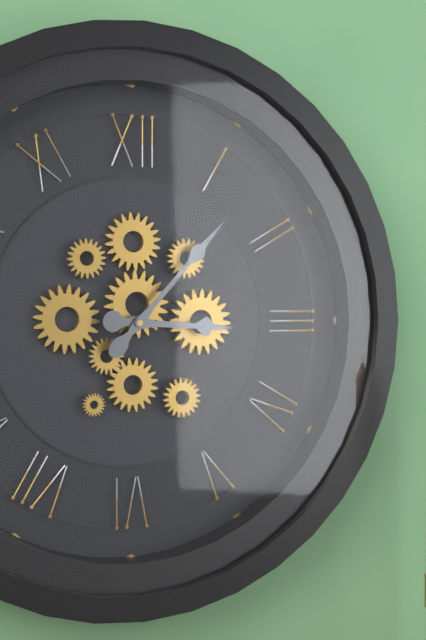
**3:07**
